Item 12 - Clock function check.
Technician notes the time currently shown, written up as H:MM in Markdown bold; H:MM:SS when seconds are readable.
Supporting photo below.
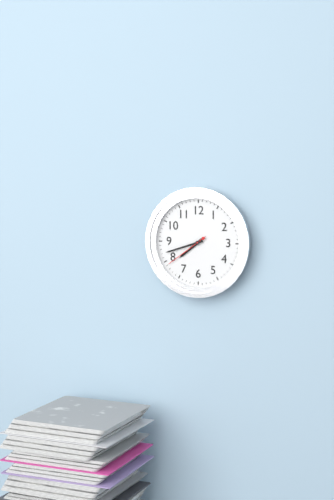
**7:42**
